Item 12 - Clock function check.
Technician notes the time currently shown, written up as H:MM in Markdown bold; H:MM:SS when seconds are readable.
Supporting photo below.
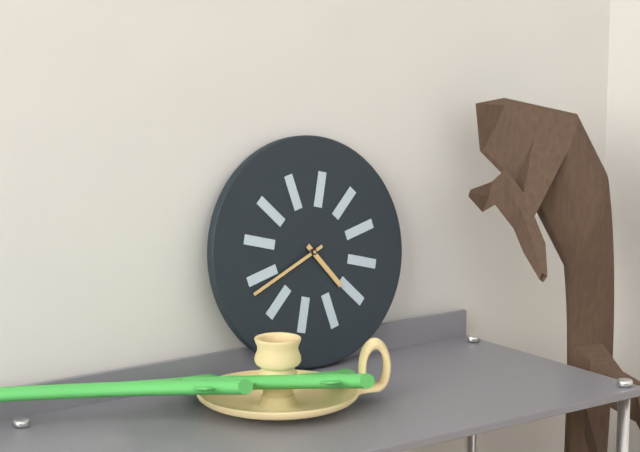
**4:41**
